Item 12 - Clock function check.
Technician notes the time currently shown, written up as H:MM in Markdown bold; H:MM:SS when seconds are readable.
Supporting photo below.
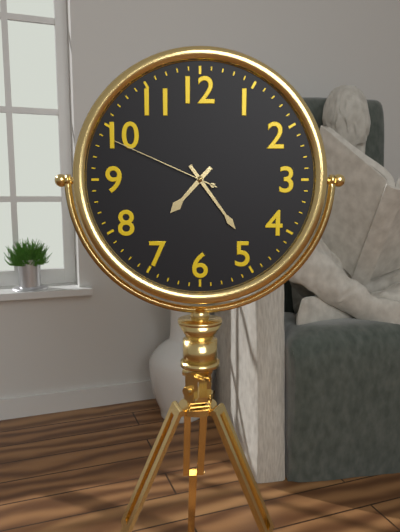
**7:24:49**
